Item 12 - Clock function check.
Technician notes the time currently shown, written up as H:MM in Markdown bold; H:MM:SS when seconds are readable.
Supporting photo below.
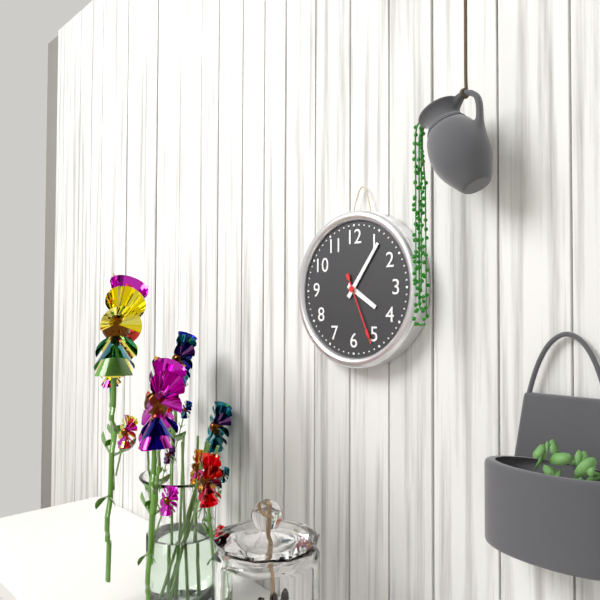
**4:06:26**
